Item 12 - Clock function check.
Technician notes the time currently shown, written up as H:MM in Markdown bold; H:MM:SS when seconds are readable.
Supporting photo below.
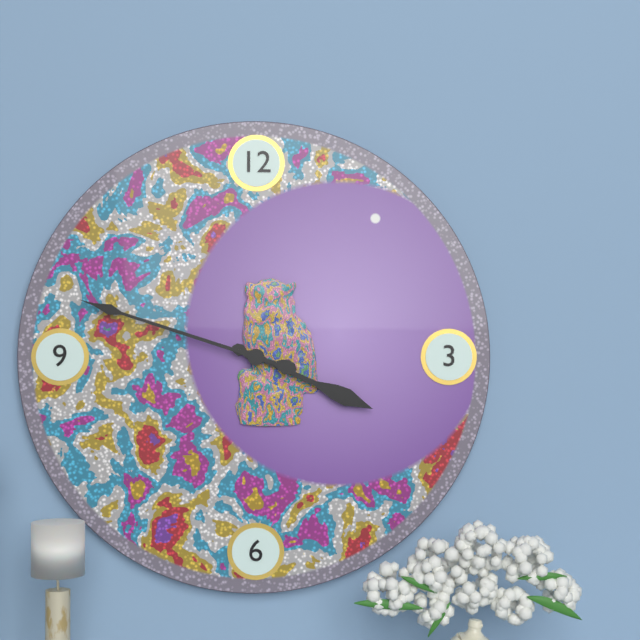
**3:48**
